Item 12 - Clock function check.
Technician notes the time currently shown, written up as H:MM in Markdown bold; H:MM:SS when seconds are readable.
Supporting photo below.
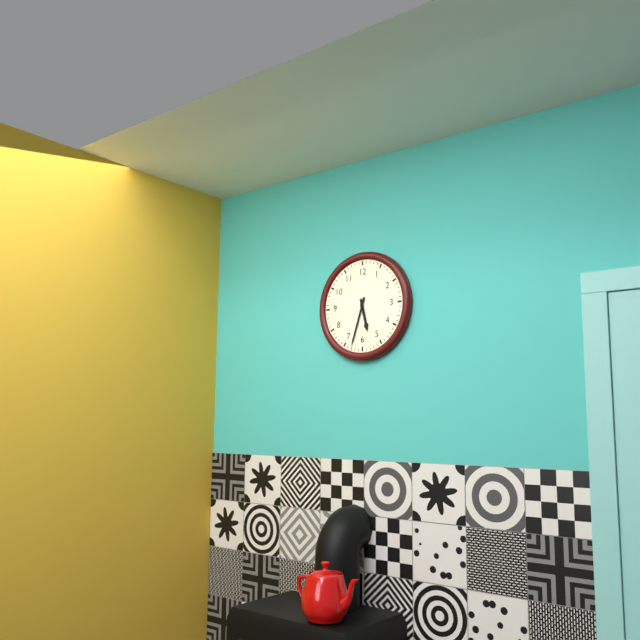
**5:33**
